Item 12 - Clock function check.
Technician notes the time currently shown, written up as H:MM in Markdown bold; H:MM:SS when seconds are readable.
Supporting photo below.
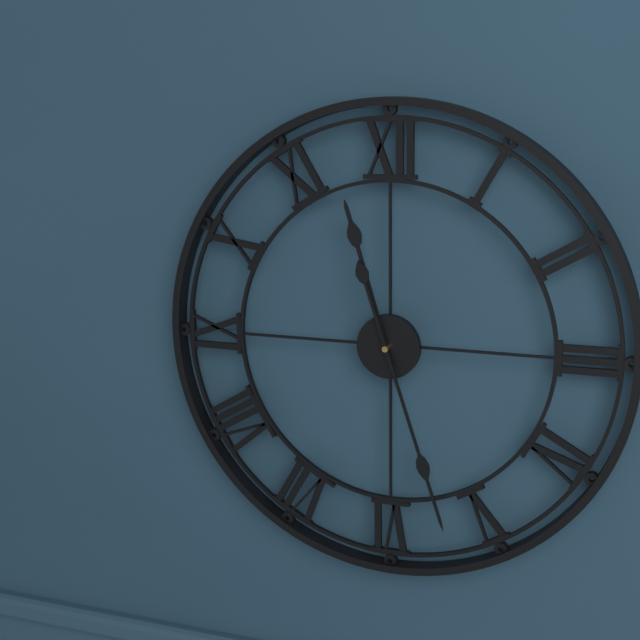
**11:27**
